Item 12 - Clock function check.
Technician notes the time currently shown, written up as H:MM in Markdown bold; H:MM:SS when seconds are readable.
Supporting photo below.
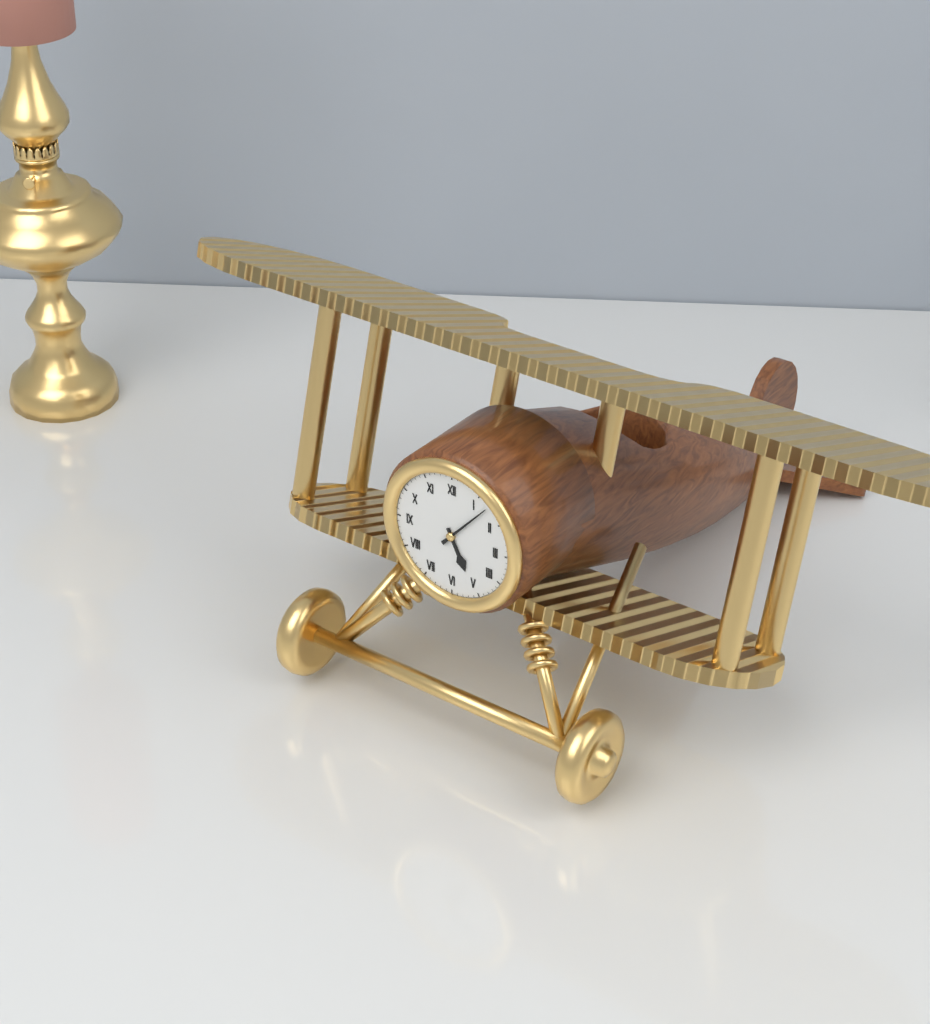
**5:07**
